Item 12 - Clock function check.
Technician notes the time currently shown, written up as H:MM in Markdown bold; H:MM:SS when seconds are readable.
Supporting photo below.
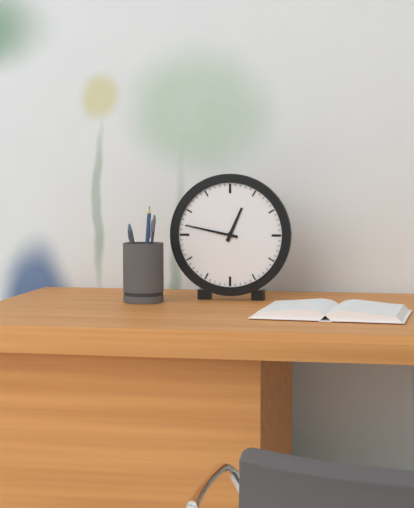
**12:47**
